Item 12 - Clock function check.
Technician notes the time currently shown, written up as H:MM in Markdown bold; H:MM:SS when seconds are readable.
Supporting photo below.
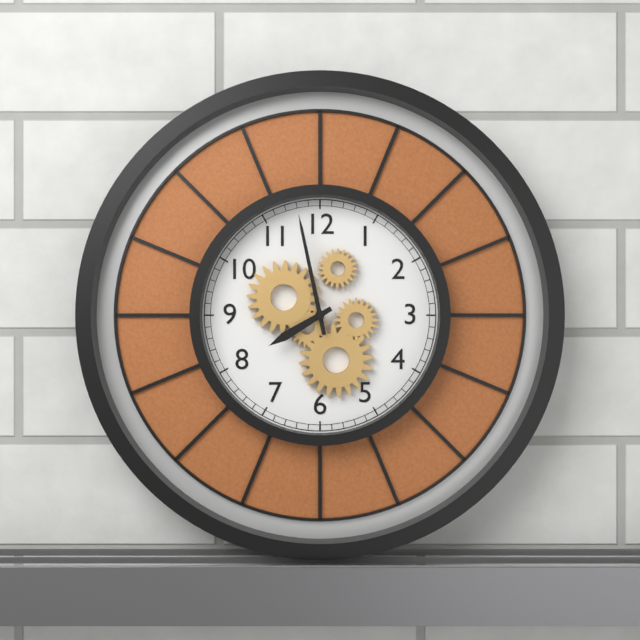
**7:58**
